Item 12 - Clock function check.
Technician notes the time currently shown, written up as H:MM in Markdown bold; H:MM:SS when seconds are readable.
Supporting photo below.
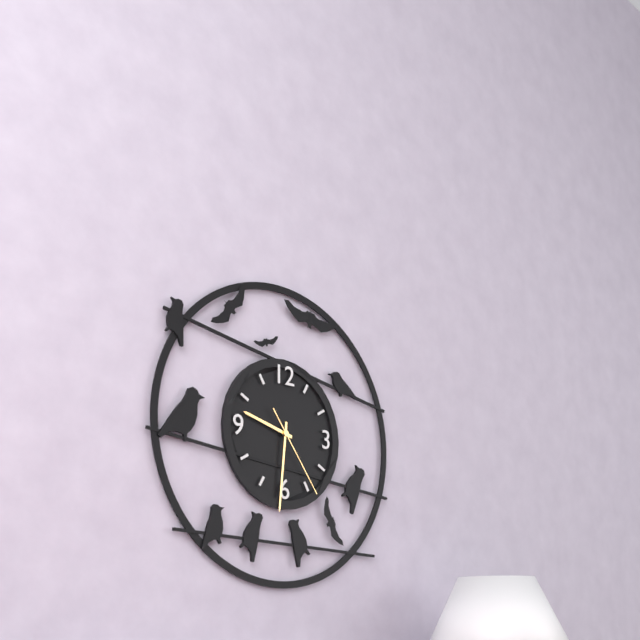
**9:31:24**
